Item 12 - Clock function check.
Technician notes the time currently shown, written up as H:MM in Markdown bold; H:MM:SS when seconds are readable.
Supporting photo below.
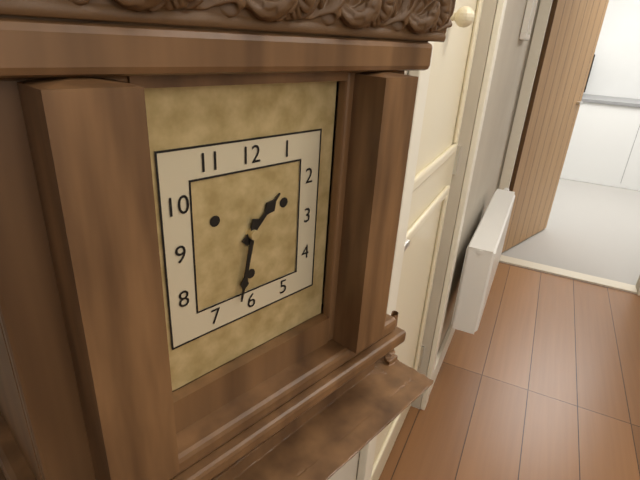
**1:32**
